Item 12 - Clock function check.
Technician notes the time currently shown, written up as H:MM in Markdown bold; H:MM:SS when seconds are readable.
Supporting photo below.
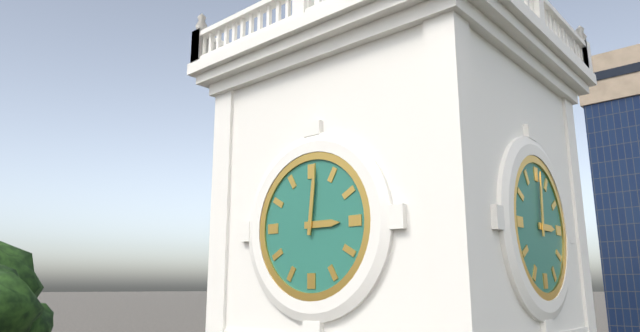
**3:01**
